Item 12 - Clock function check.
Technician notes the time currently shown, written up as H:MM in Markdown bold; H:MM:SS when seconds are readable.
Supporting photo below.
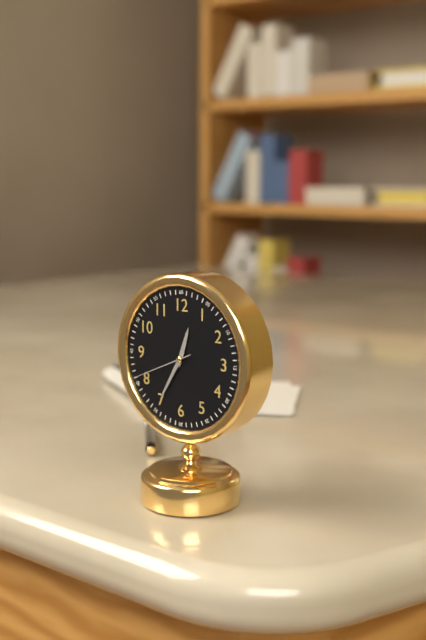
**12:35:41**
